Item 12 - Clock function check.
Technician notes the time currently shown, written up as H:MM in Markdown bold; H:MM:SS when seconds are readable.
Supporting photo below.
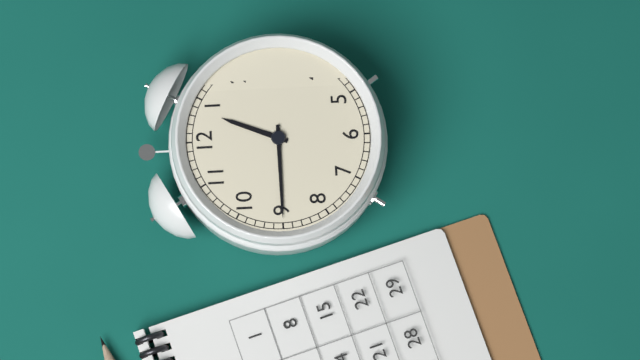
**12:45**
